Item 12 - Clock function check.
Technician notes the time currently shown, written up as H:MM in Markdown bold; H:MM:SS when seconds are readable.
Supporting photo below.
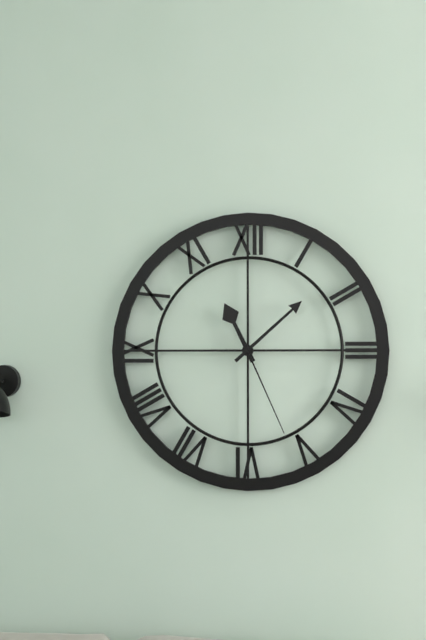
**11:08:26**
